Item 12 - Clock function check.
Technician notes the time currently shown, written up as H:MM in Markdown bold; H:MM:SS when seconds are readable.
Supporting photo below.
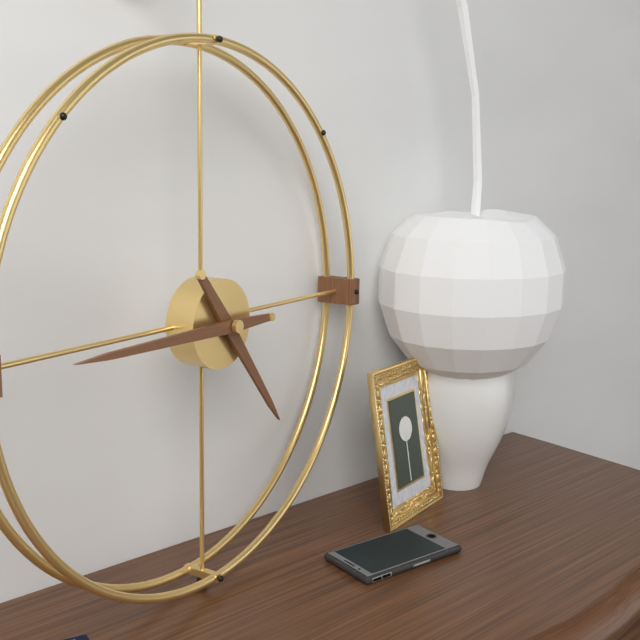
**4:45**
